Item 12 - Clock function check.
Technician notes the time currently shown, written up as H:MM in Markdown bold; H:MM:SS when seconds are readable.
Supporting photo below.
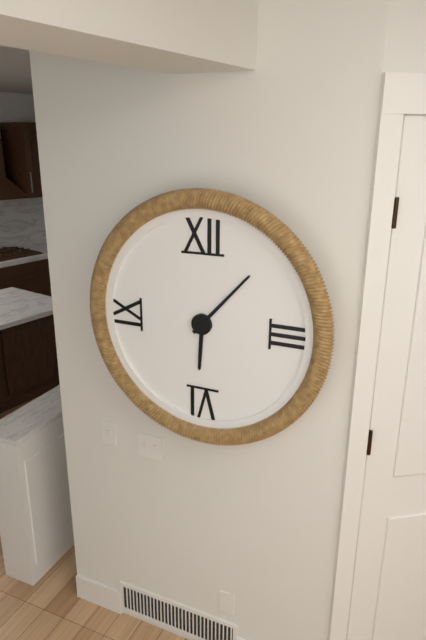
**6:07**
